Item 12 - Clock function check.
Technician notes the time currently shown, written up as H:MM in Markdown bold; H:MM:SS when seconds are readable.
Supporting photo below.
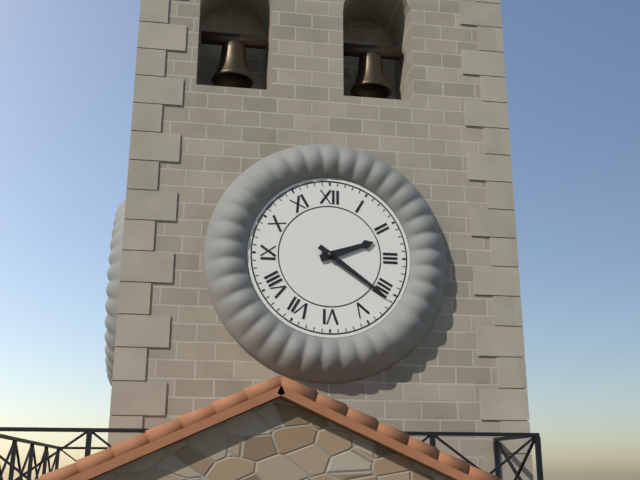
**2:21**
